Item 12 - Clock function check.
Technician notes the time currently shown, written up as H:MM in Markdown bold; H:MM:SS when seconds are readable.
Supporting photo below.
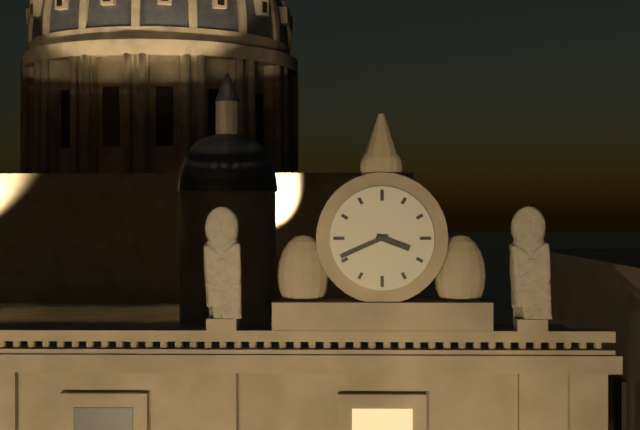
**3:41**
